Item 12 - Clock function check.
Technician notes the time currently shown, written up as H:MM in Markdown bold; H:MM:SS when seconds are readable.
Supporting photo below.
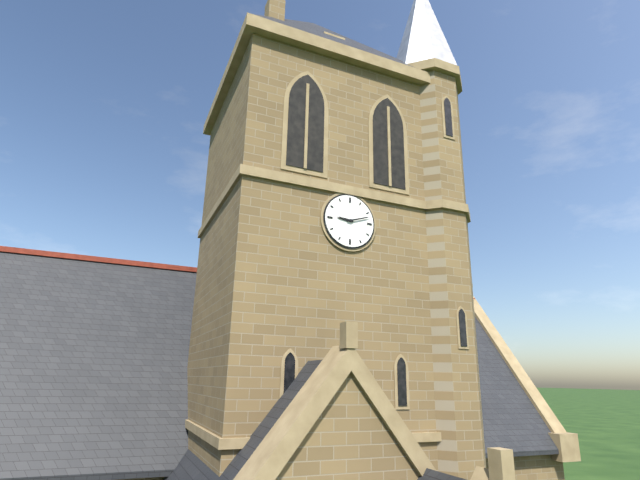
**9:12**
